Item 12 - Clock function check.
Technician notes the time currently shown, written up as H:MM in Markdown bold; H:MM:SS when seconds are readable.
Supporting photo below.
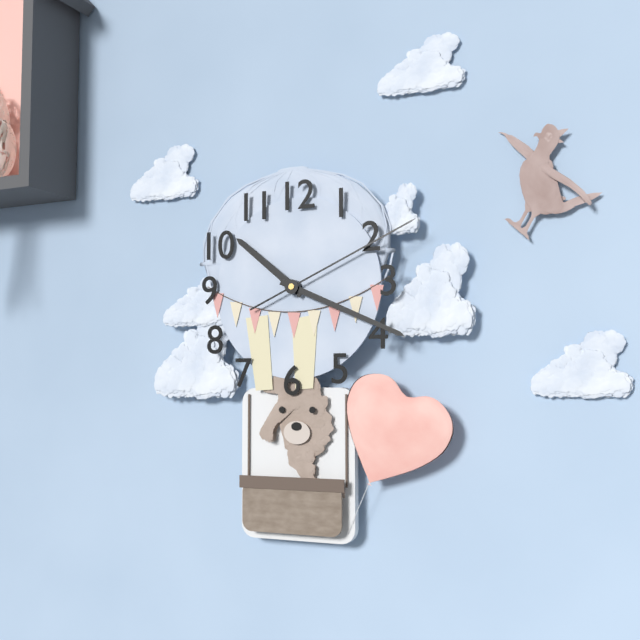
**10:19:11**
